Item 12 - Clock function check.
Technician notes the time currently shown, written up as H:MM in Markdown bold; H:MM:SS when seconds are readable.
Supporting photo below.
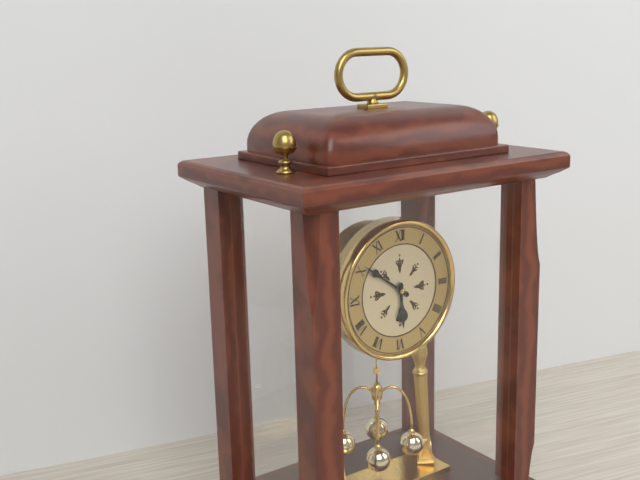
**5:51**
